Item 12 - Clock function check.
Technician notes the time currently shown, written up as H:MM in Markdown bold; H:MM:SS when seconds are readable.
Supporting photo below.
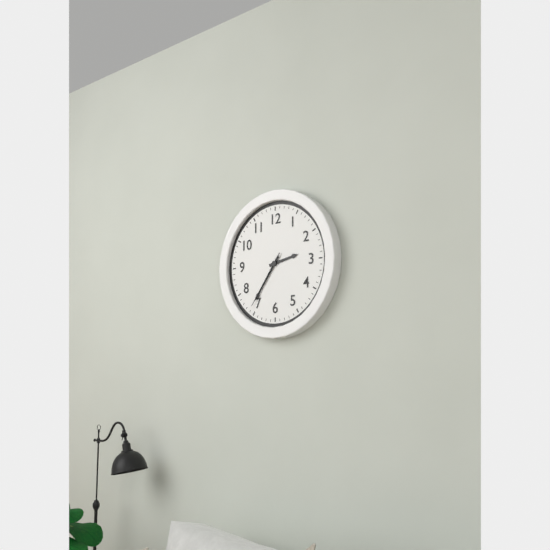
**2:36:36**
